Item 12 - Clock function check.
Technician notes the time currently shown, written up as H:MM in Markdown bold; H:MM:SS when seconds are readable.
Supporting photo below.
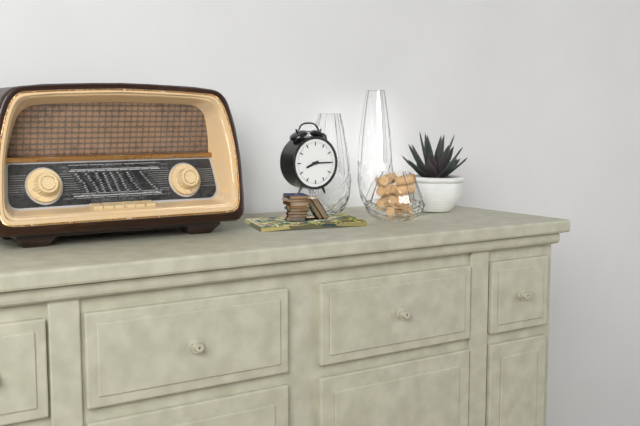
**8:15**
